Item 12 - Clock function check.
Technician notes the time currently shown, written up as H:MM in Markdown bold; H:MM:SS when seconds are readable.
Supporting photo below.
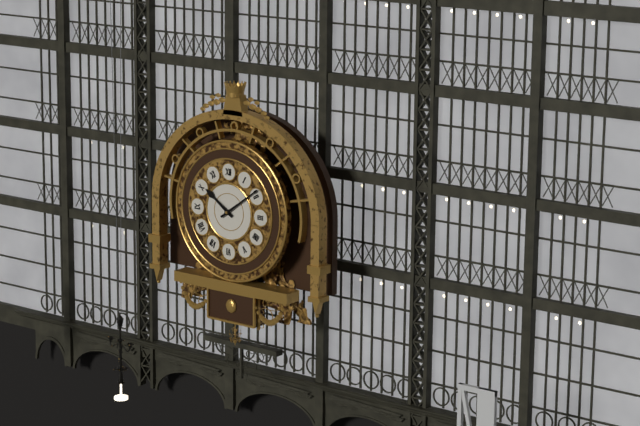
**10:09**
